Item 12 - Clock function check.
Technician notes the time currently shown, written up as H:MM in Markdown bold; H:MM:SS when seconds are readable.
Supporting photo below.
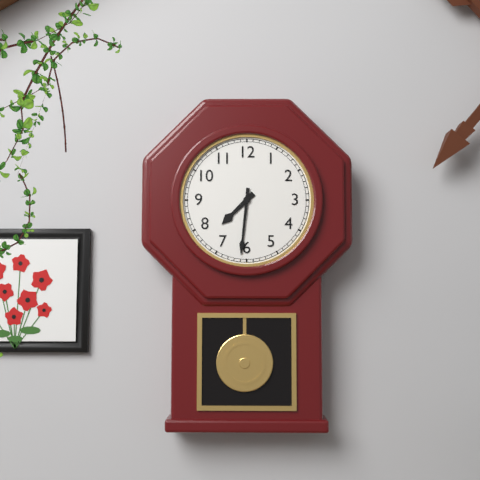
**7:31**
